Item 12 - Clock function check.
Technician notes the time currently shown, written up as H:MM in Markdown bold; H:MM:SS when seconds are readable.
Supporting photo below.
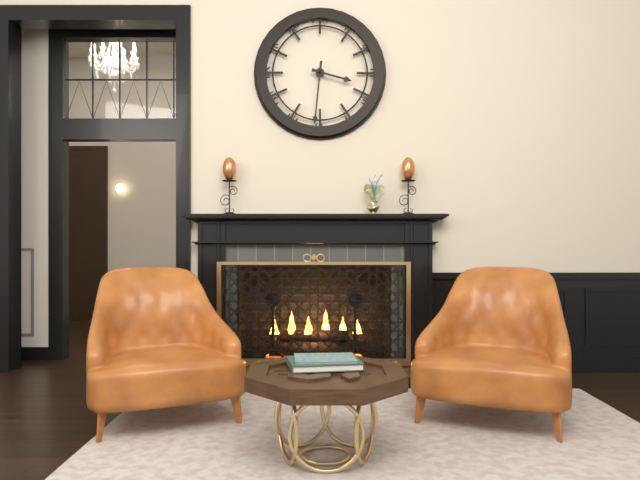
**3:31**
